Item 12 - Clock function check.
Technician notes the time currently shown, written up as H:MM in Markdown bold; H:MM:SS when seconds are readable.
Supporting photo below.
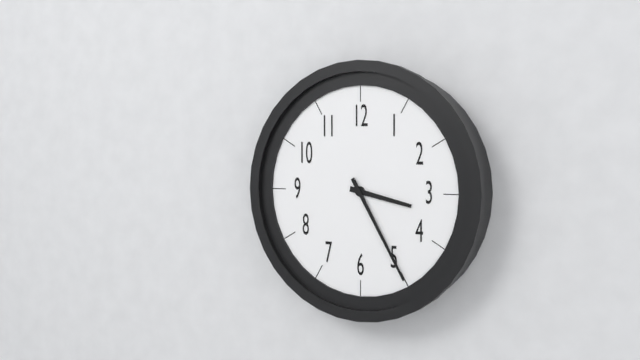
**3:25**
